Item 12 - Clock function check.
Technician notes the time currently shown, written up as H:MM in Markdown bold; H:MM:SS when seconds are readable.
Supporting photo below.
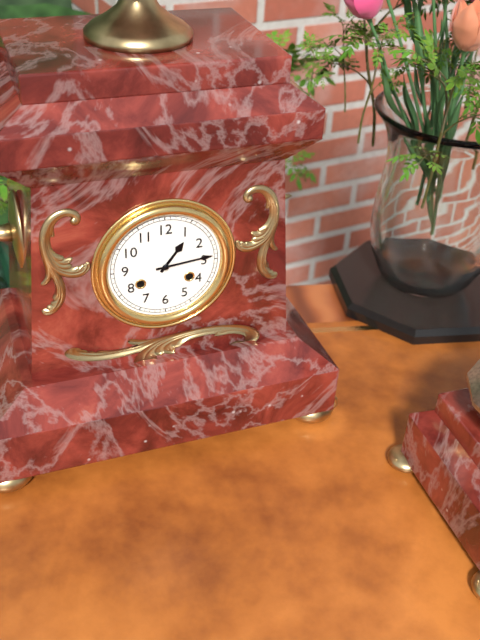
**1:14**
